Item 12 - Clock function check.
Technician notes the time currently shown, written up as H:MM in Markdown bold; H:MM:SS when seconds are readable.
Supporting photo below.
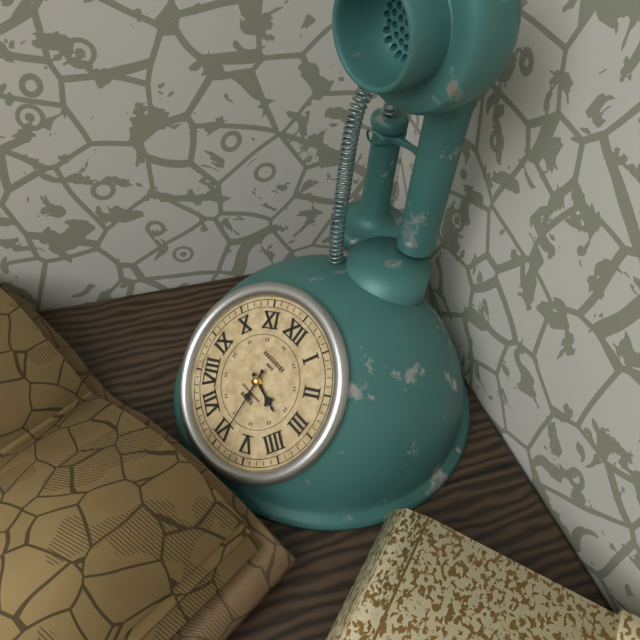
**3:29**
